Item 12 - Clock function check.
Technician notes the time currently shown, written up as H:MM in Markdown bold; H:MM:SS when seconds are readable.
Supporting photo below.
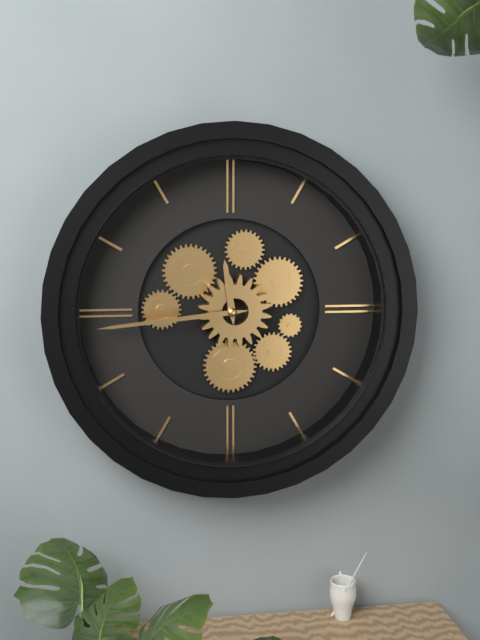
**11:44**
